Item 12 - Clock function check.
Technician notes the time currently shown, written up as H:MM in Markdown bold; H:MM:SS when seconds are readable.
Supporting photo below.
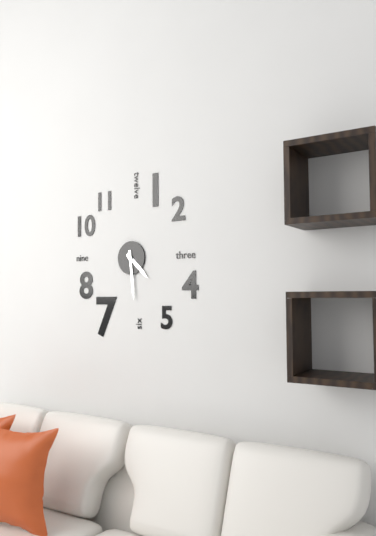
**4:29**
